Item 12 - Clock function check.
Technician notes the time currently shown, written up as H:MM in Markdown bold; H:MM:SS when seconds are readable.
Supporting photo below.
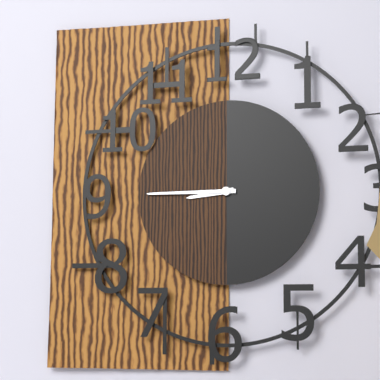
**8:45**
